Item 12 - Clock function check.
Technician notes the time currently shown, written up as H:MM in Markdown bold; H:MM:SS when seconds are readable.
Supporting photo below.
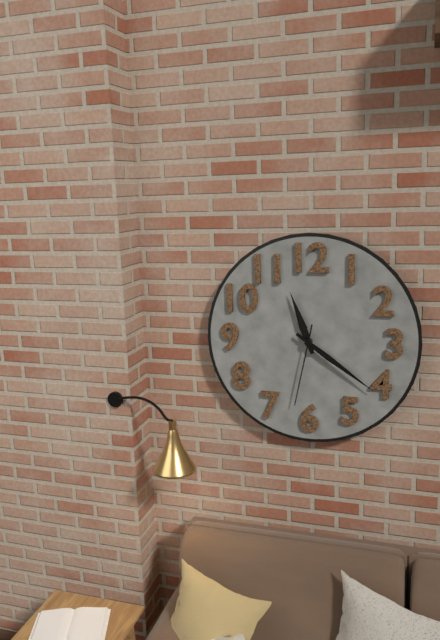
**11:21:32**
